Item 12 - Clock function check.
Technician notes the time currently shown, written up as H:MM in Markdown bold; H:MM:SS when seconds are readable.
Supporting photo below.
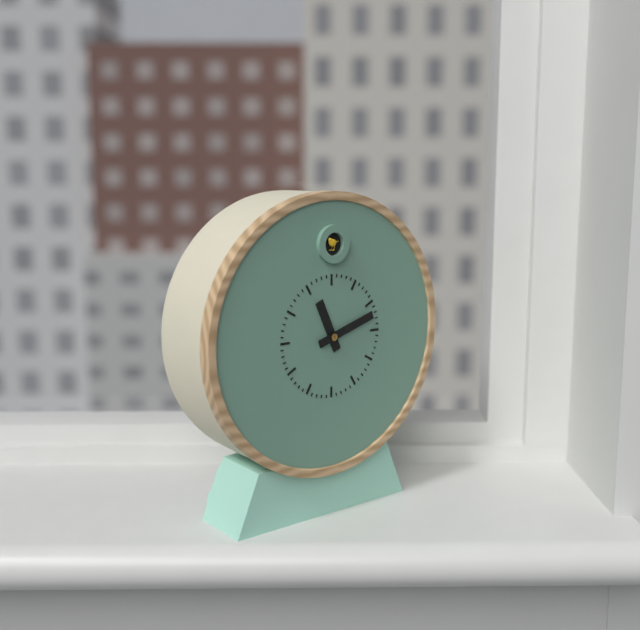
**11:12**
